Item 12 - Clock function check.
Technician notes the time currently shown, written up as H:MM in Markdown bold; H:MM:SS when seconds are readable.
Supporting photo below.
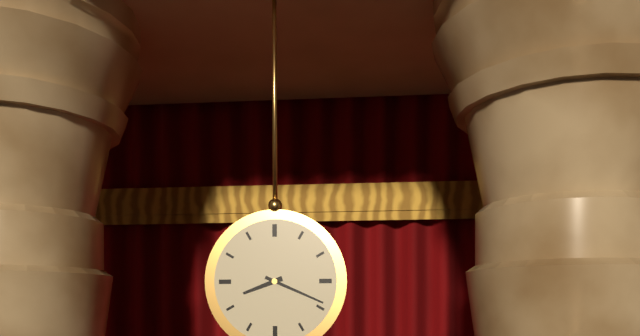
**8:19**
